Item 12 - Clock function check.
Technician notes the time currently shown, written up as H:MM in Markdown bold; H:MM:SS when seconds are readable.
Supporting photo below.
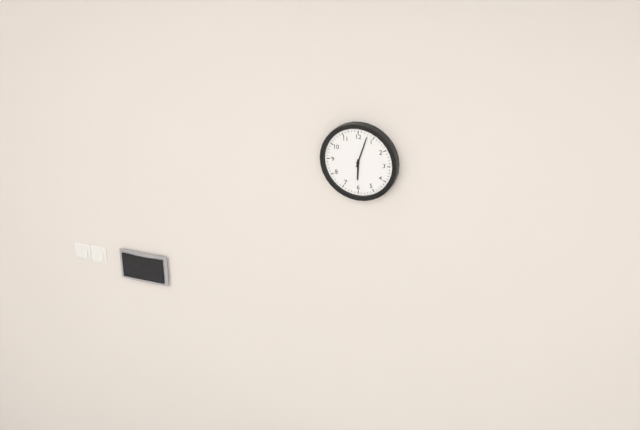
**6:03**
